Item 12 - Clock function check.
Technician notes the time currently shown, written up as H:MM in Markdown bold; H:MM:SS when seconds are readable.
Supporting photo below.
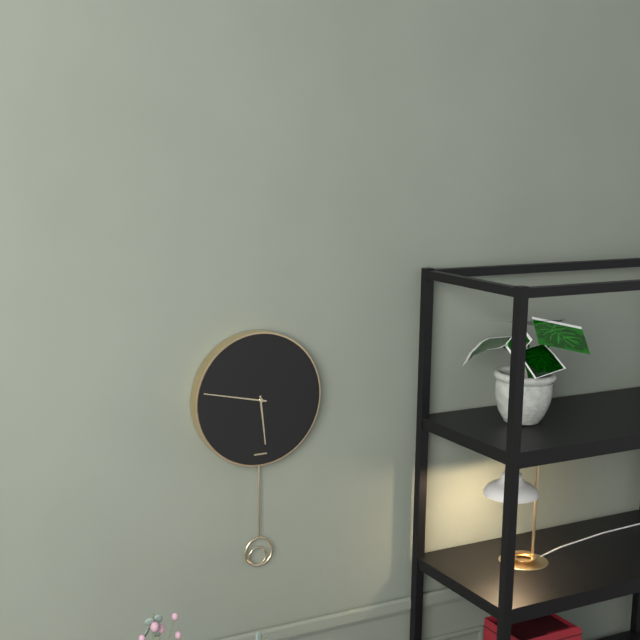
**5:47**
